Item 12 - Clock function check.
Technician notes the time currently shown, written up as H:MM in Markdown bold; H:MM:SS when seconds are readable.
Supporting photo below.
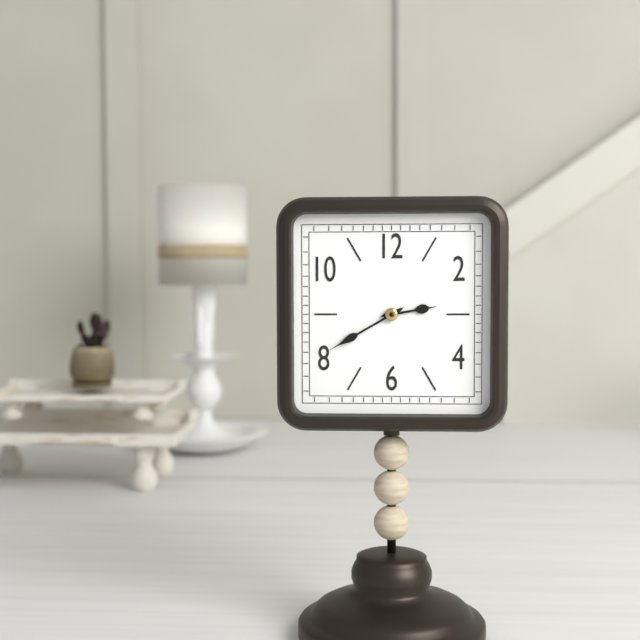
**2:40**
